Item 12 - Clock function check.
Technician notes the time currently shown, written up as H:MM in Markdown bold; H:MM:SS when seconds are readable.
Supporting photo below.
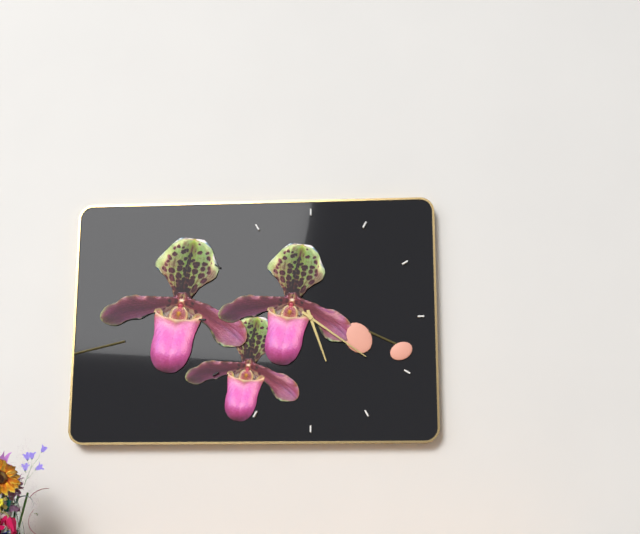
**5:21**
